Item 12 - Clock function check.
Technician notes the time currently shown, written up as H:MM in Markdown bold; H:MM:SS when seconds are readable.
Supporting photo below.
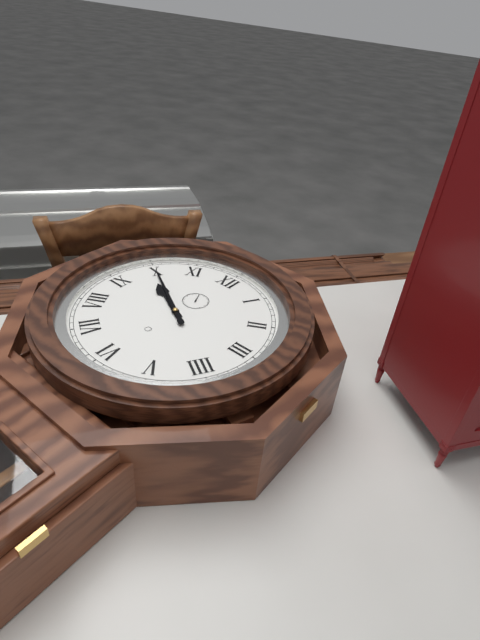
**9:50**
